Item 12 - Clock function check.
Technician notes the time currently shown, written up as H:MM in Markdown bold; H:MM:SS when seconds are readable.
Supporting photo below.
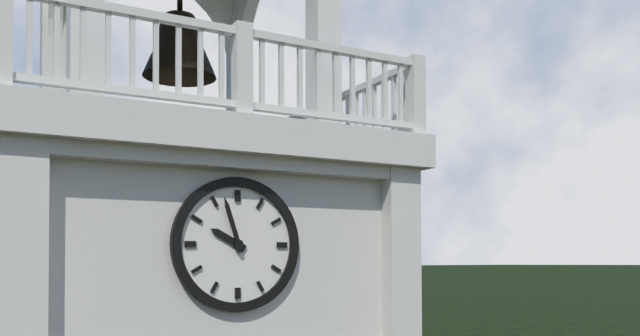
**9:57**
